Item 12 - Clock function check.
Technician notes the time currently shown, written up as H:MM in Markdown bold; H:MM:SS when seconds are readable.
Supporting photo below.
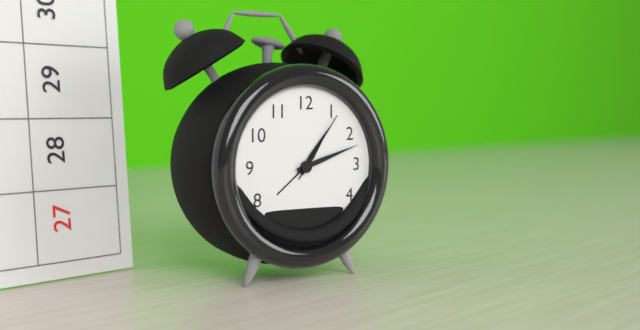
**1:12:06**
